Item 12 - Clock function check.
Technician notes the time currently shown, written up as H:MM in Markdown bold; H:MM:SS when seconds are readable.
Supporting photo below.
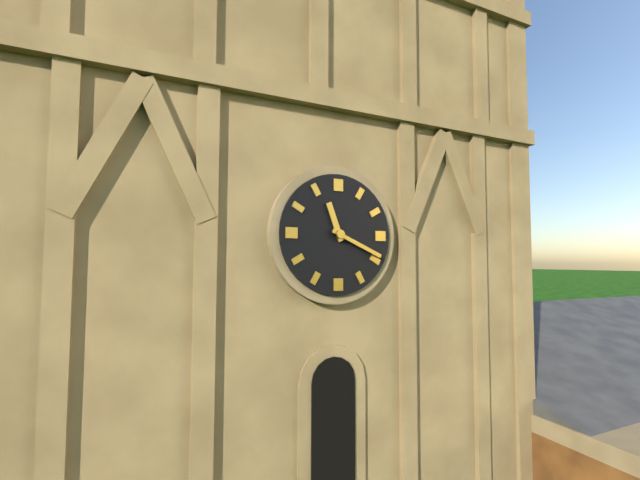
**11:19**
